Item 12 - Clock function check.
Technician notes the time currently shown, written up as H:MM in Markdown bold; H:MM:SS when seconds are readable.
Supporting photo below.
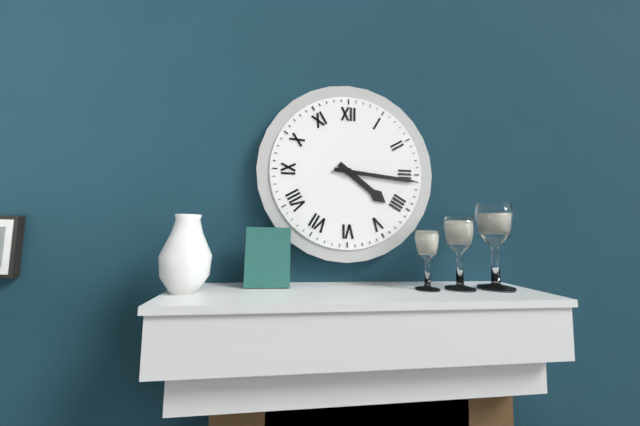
**4:16**
